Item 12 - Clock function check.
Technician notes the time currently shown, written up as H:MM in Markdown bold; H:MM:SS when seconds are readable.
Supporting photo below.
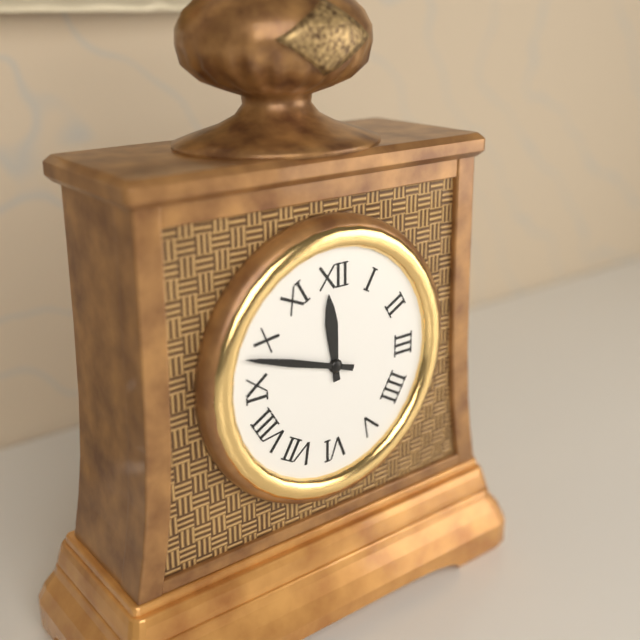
**11:48**
